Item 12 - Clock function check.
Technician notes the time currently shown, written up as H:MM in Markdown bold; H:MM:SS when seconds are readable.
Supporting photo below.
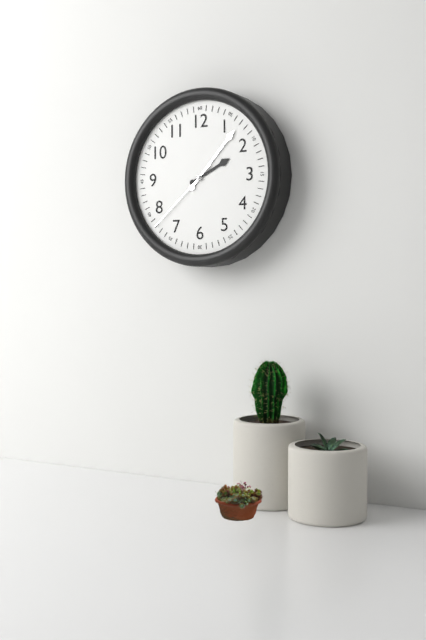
**2:07:38**
